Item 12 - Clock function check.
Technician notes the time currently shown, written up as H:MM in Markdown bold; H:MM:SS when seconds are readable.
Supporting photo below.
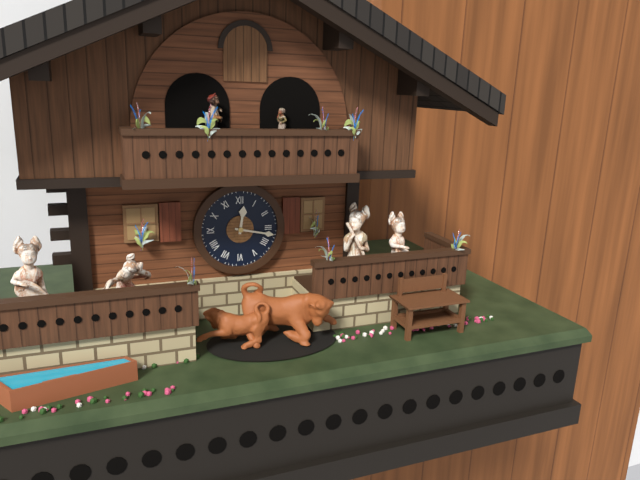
**12:17**
